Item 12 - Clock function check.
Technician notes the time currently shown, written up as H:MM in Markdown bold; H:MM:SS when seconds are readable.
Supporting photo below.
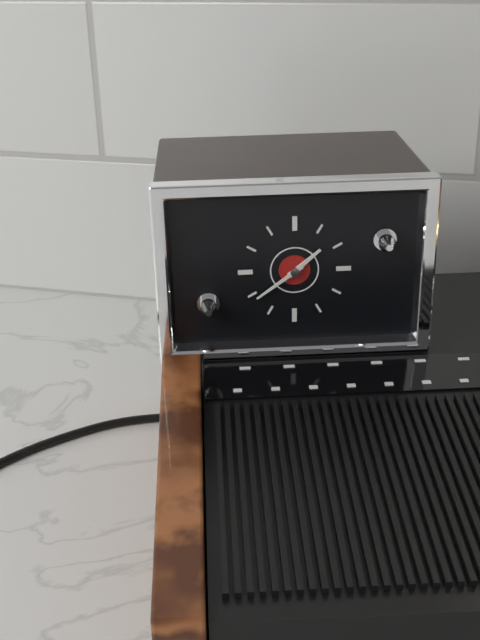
**1:39**
